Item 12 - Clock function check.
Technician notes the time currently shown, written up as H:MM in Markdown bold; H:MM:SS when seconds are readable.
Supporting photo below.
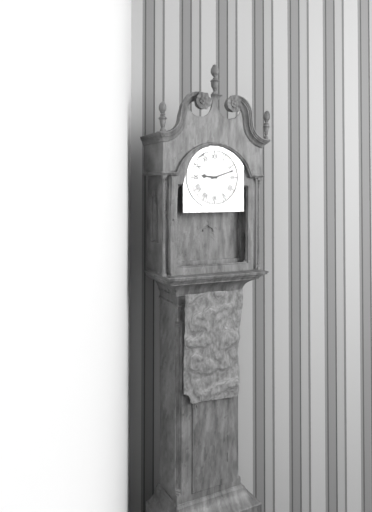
**9:12**
